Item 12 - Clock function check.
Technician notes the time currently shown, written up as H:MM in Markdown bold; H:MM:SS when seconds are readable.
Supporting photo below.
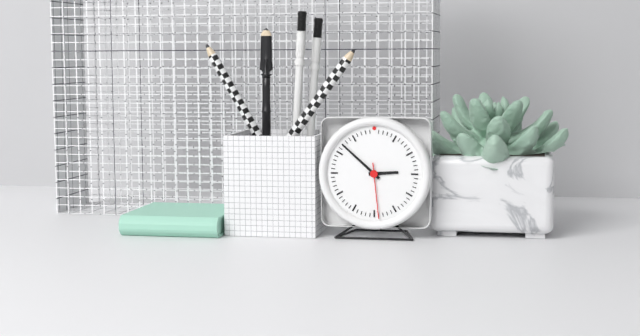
**2:52:29**
